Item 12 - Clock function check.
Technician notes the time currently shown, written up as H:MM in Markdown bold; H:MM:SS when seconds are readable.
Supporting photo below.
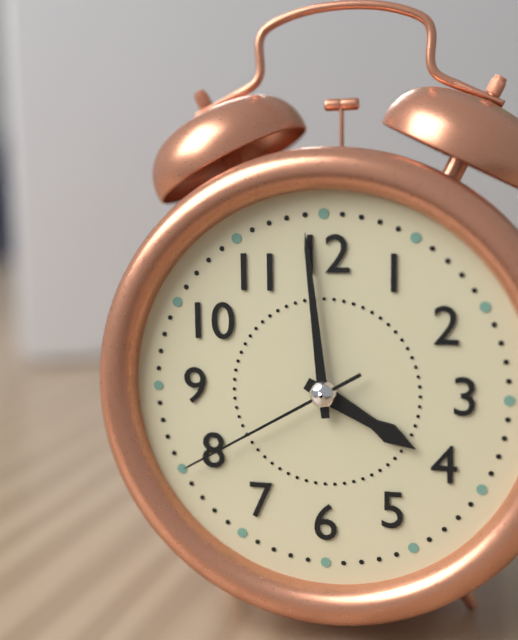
**3:59:40**
